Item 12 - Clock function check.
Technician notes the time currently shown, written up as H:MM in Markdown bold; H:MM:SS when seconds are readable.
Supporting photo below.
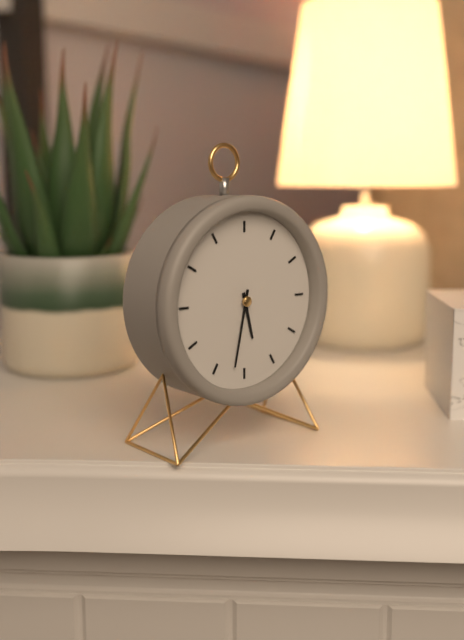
**5:32**
